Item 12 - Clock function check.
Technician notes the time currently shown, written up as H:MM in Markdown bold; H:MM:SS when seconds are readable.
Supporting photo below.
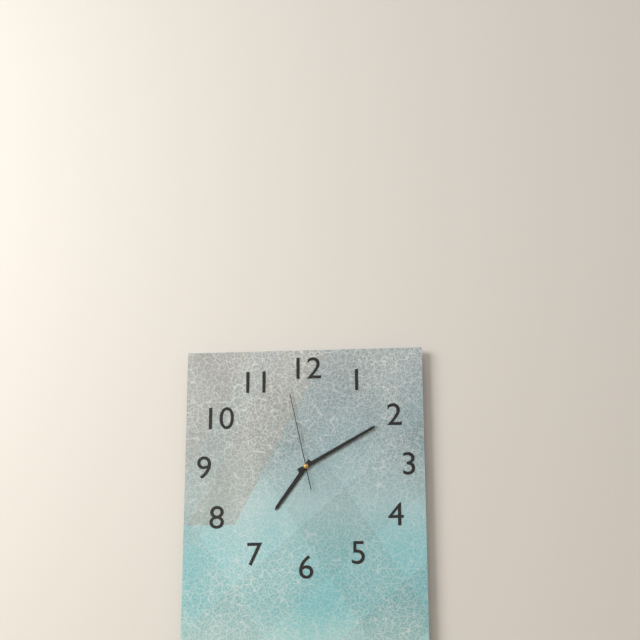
**7:10:58**
